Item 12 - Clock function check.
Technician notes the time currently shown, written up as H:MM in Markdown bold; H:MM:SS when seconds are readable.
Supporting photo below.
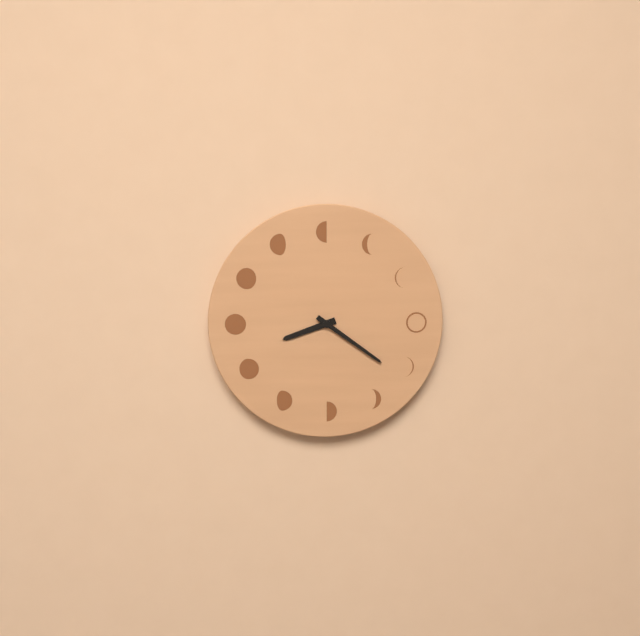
**8:21**
